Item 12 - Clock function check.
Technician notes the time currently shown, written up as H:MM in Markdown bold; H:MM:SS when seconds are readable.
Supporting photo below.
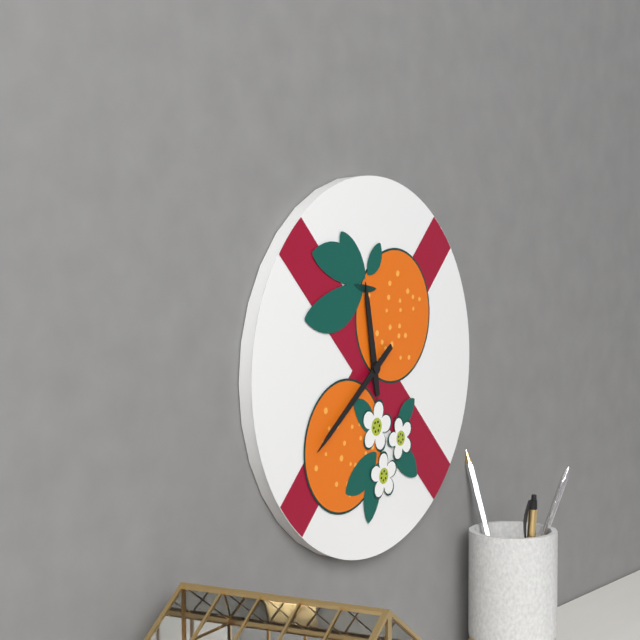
**11:39**
